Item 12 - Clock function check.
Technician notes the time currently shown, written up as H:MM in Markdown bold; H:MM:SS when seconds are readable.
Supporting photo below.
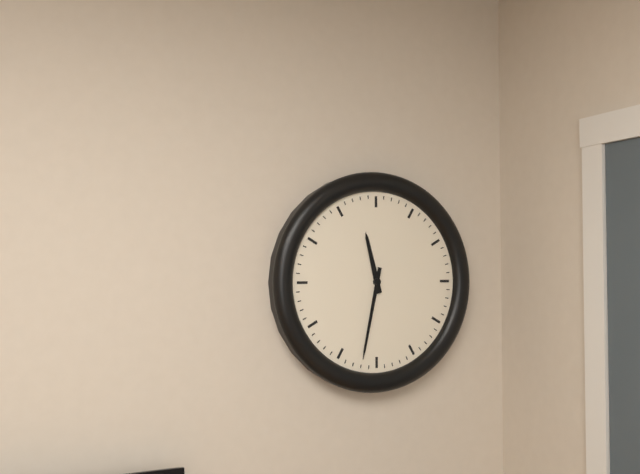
**11:32**
